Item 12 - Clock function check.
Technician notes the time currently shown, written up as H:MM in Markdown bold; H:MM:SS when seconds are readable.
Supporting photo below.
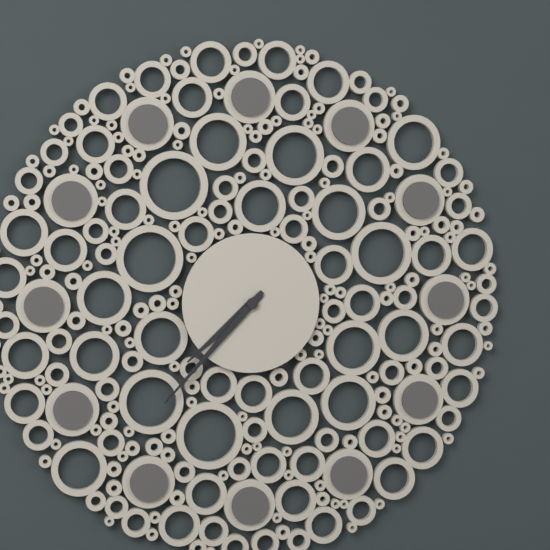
**7:37**
